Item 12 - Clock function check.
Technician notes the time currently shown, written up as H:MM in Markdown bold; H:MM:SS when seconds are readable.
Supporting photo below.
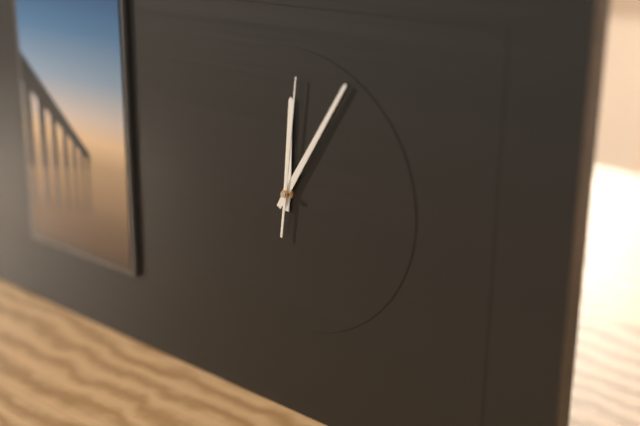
**12:05:01**
